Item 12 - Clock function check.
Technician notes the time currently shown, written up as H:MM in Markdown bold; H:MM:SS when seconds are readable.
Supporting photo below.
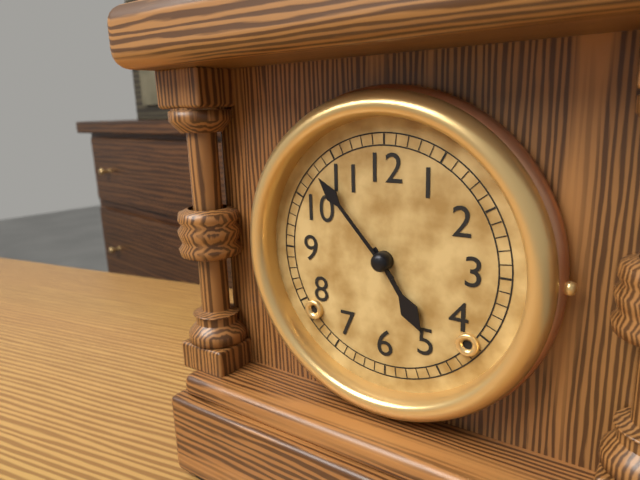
**4:53**
